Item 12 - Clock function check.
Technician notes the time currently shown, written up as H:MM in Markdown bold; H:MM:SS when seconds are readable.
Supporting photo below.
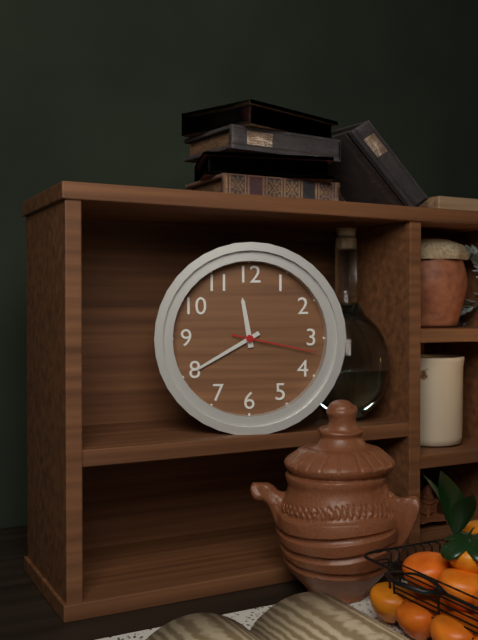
**11:40:17**
